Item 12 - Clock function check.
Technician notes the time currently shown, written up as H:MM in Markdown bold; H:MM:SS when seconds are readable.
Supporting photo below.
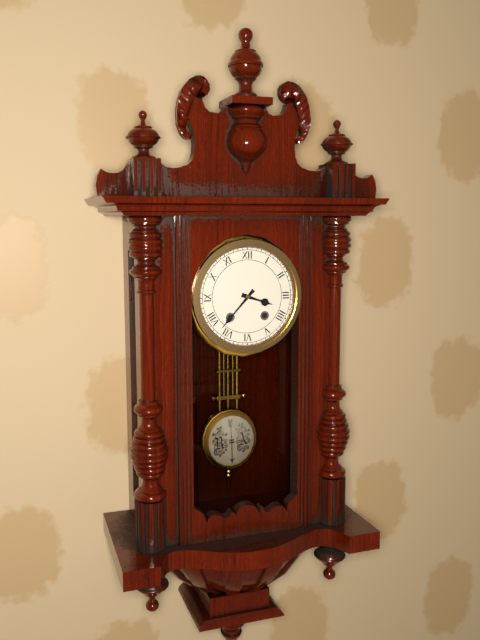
**3:37**
